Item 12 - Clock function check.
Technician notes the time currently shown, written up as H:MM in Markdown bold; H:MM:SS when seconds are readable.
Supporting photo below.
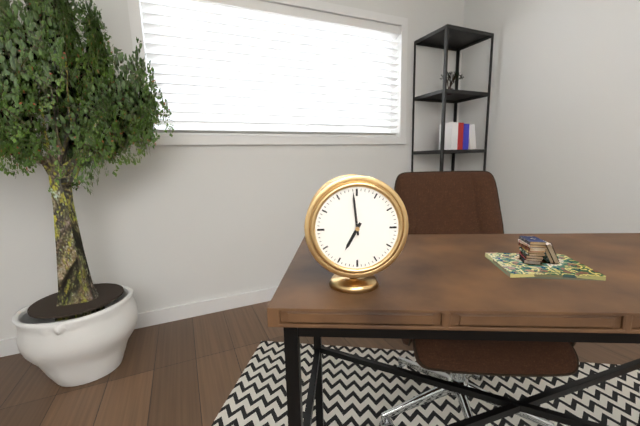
**6:59**
